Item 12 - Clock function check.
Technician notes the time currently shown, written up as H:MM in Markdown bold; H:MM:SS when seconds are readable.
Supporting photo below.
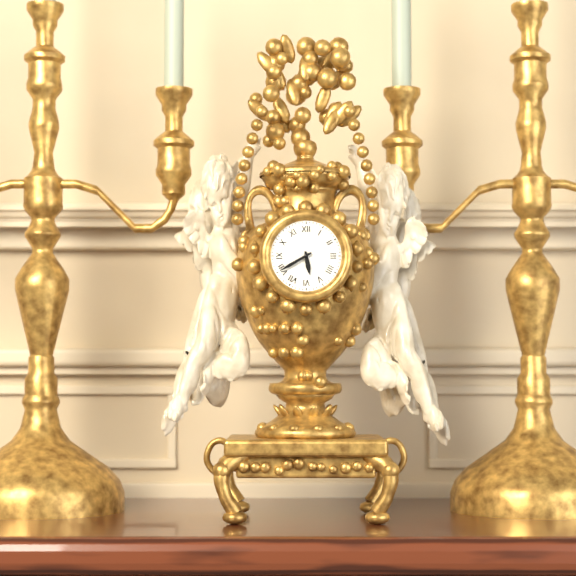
**5:40**
